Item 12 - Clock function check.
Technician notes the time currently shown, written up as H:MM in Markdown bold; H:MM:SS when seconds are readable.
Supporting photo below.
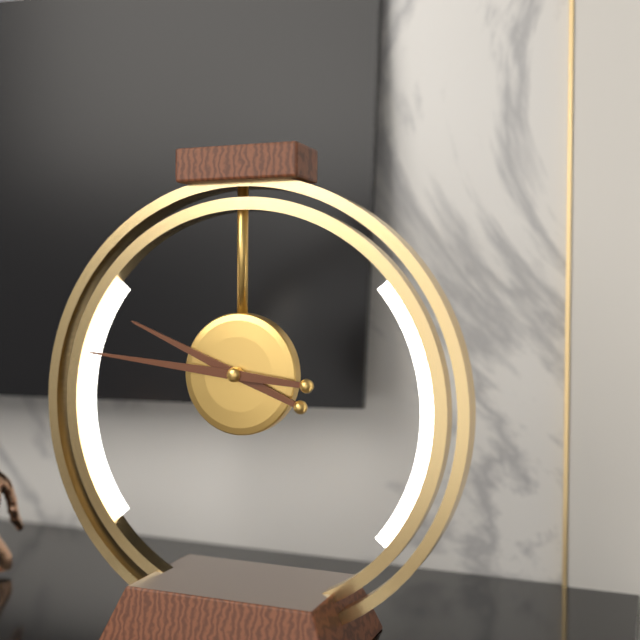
**9:46**
